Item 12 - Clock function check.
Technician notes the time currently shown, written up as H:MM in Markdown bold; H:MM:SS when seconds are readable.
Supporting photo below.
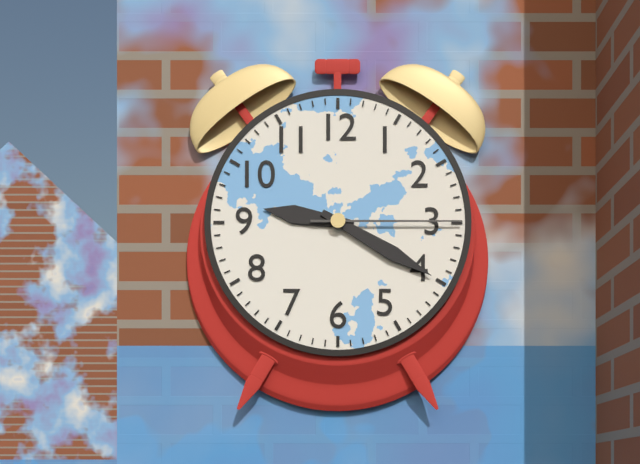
**9:20:15**
